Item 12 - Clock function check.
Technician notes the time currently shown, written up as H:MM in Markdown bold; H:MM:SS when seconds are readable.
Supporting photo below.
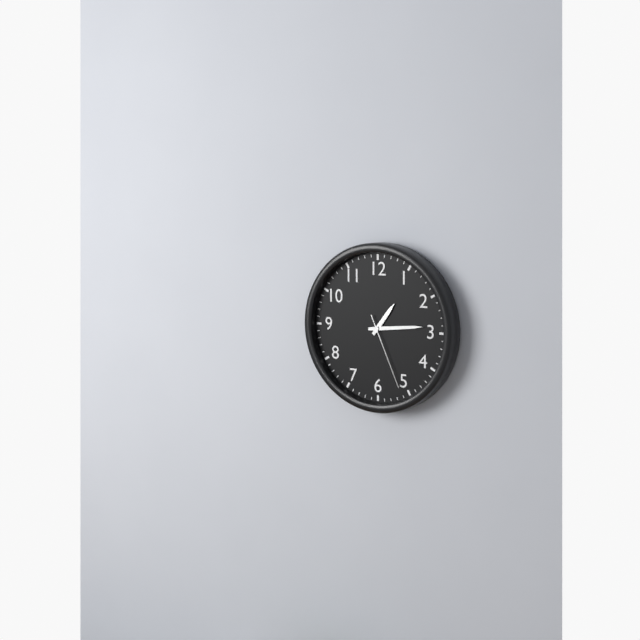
**1:14:26**
